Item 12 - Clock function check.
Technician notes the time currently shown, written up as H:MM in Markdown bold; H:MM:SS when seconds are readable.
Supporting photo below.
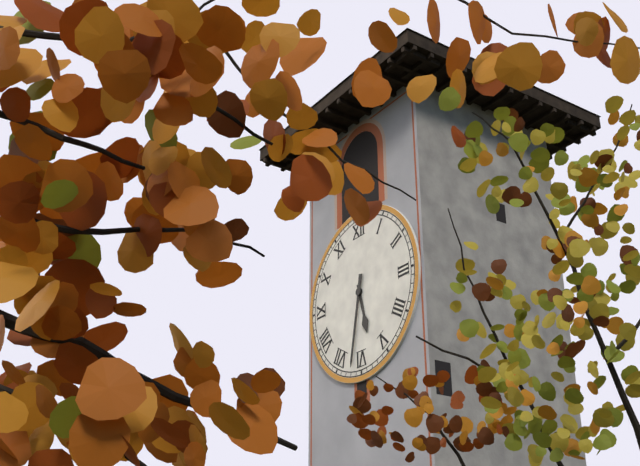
**5:32**
